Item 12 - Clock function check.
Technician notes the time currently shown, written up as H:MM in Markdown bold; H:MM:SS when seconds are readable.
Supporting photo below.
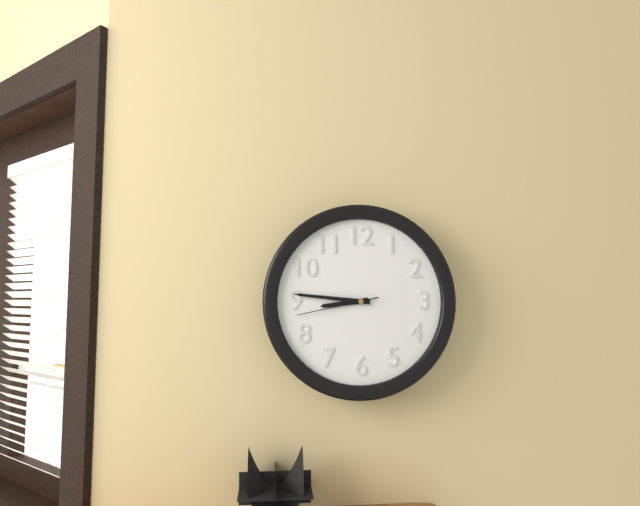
**8:46:43**
